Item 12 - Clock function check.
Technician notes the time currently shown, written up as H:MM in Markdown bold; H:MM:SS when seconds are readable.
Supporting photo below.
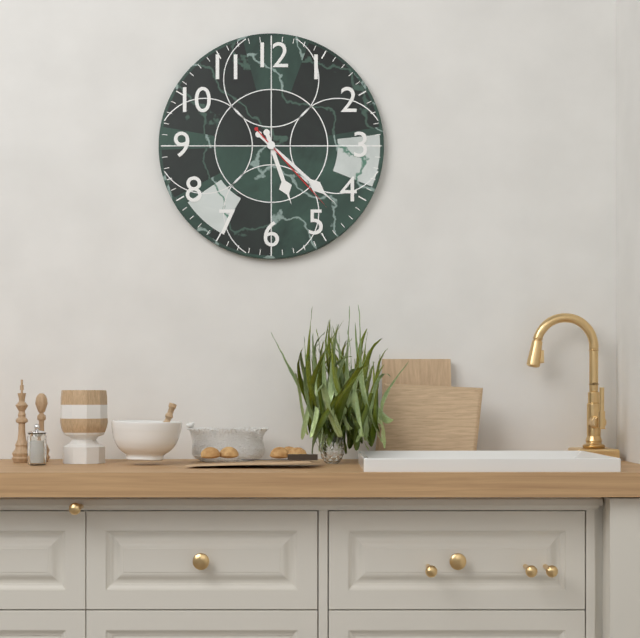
**5:22:23**
